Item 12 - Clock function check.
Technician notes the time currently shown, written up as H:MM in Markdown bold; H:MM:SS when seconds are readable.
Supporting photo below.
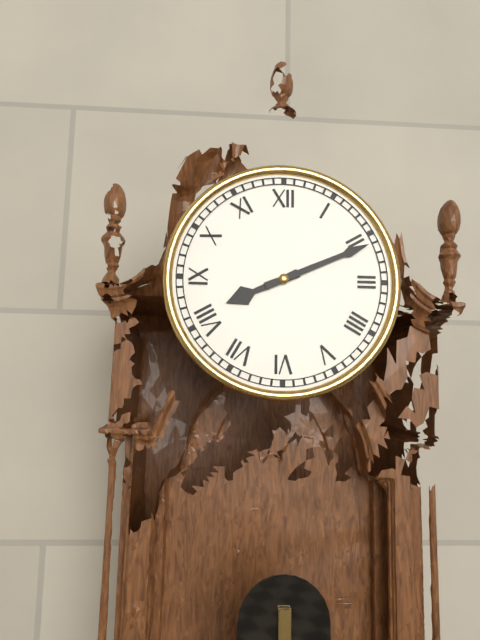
**8:11**
